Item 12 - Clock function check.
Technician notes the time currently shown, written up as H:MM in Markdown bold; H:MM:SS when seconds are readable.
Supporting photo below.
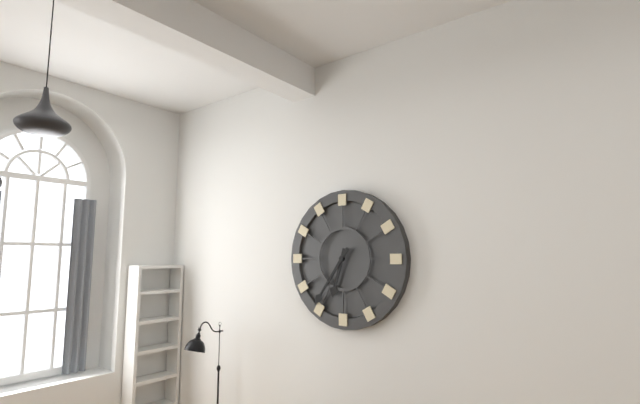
**6:36**
